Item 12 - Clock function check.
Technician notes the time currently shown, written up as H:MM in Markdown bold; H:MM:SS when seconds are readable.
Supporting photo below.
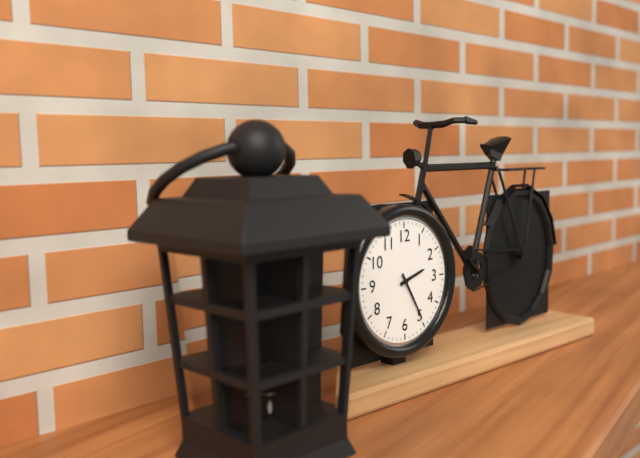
**2:25**
